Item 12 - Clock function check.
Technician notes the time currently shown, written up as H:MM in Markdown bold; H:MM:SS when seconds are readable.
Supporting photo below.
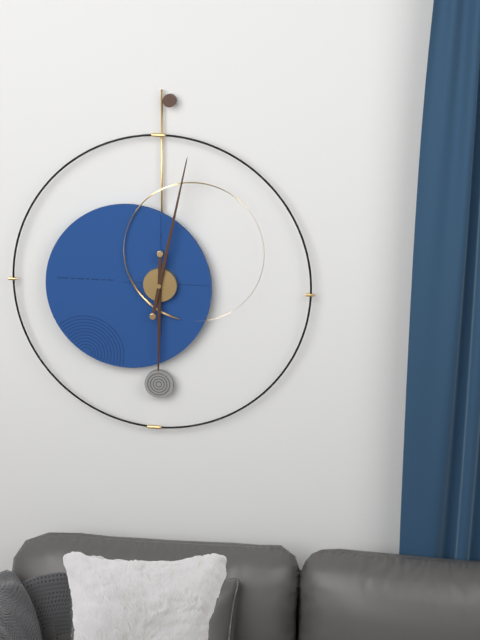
**6:02**
